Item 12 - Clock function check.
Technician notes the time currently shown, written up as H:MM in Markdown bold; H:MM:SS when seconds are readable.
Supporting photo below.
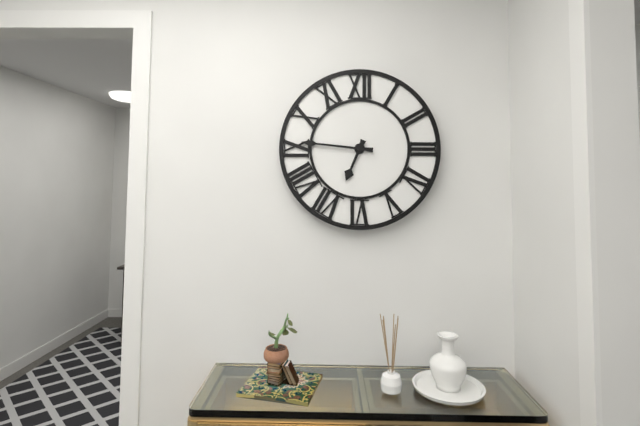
**6:46**
